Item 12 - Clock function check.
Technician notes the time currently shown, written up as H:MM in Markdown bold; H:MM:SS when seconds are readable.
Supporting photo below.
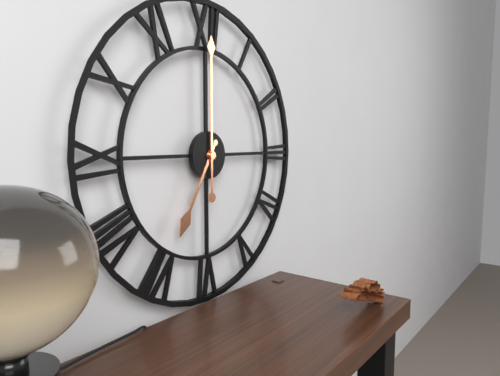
**7:00**
